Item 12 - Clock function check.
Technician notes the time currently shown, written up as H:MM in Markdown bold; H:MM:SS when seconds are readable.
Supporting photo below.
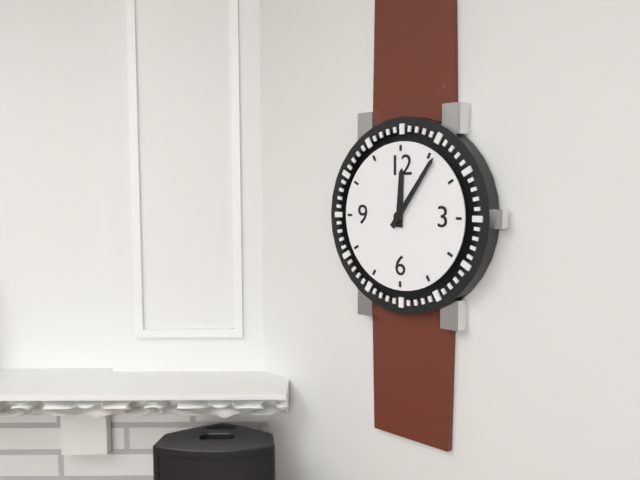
**12:06**
